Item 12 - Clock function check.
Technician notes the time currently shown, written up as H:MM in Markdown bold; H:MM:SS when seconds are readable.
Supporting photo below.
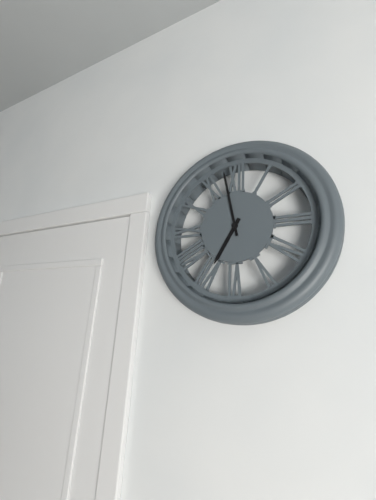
**6:58**
